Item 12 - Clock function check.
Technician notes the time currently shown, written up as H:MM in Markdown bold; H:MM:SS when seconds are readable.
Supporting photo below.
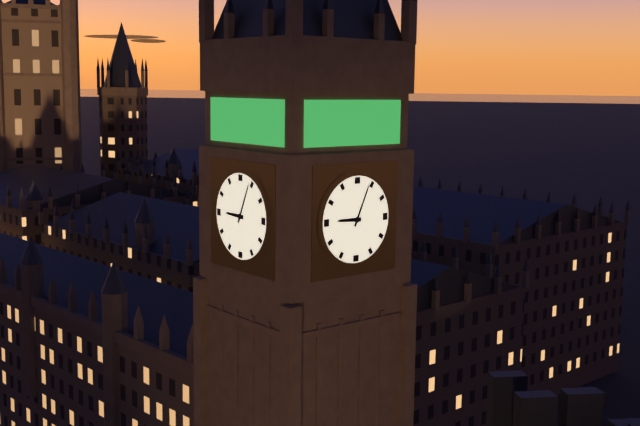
**9:04**
